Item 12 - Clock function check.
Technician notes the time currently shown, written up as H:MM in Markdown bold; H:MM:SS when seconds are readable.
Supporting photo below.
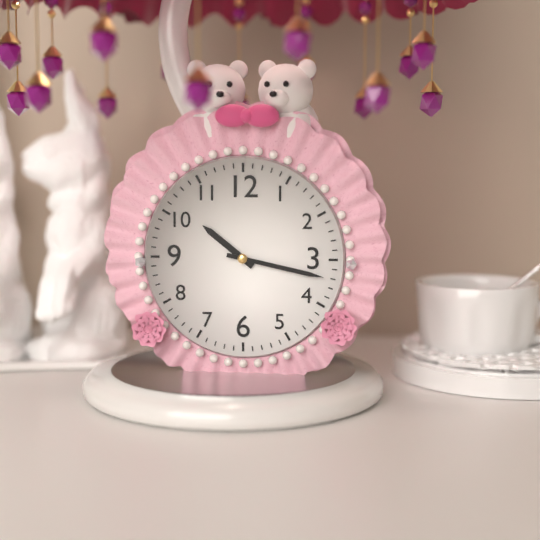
**10:17**
